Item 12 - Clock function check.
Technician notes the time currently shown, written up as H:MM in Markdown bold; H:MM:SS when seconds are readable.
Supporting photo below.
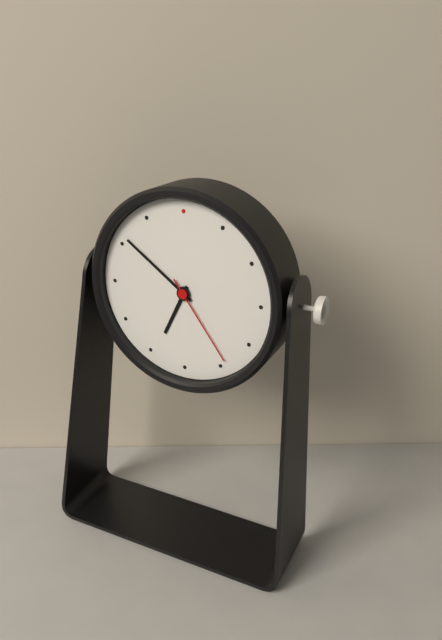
**6:51:24**
